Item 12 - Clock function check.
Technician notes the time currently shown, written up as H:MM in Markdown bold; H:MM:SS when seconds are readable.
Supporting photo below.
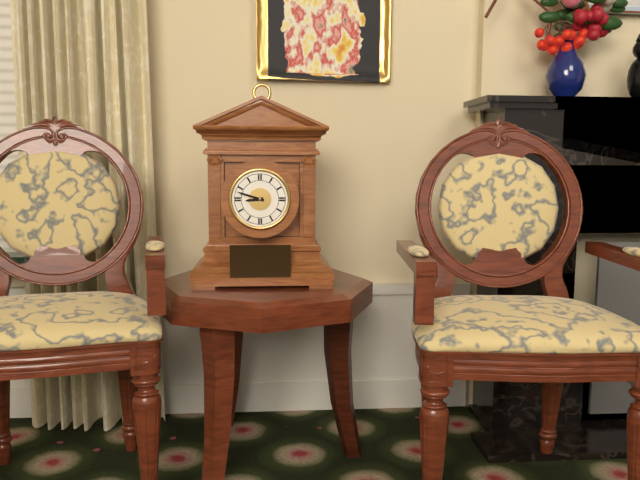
**8:48**
